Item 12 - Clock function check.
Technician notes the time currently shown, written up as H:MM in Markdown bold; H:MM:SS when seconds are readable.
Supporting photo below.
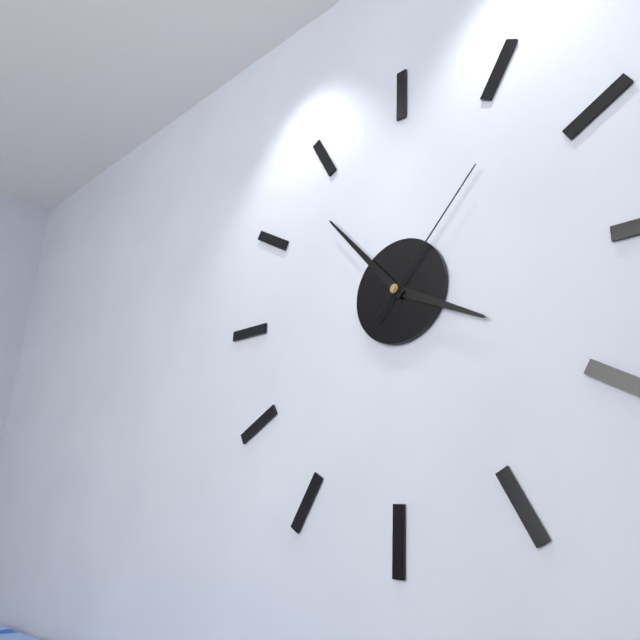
**3:53:07**
